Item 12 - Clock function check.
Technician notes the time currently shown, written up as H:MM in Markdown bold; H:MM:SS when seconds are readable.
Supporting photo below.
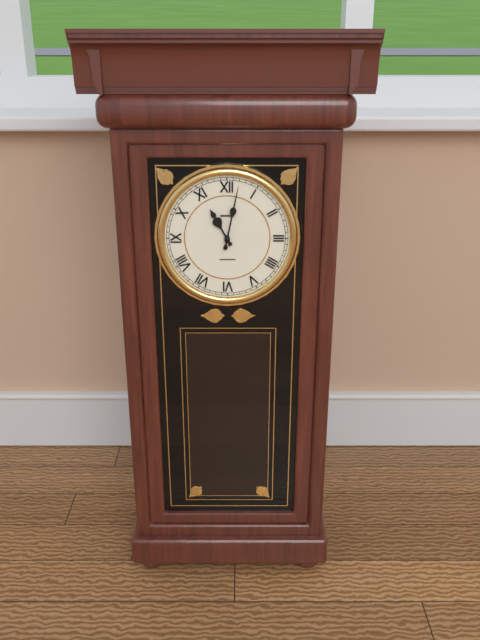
**11:02**
